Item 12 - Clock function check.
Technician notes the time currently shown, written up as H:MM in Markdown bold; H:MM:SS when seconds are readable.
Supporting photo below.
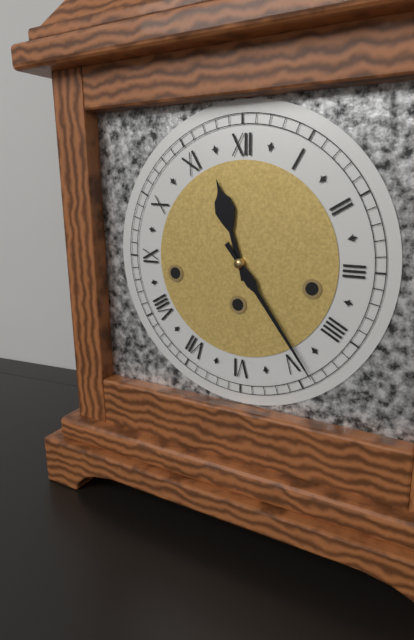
**11:24**
